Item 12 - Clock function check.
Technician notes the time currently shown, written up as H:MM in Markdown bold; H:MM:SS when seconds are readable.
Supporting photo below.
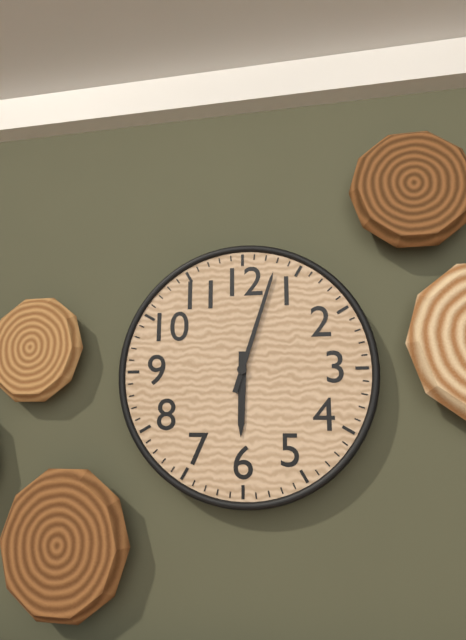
**6:03**
